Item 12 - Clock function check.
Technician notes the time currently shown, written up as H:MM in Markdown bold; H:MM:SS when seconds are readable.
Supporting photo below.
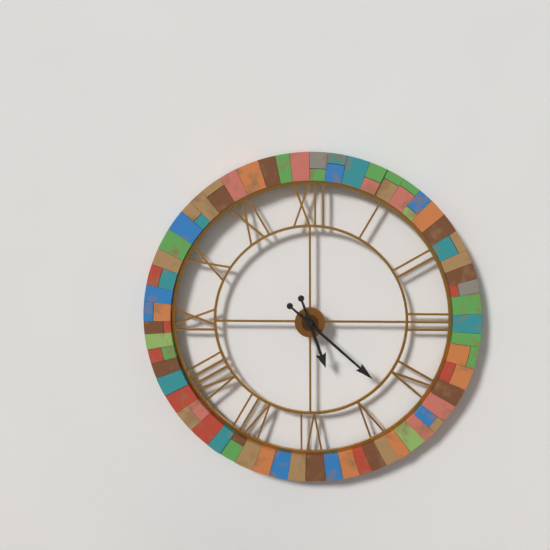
**5:22**
